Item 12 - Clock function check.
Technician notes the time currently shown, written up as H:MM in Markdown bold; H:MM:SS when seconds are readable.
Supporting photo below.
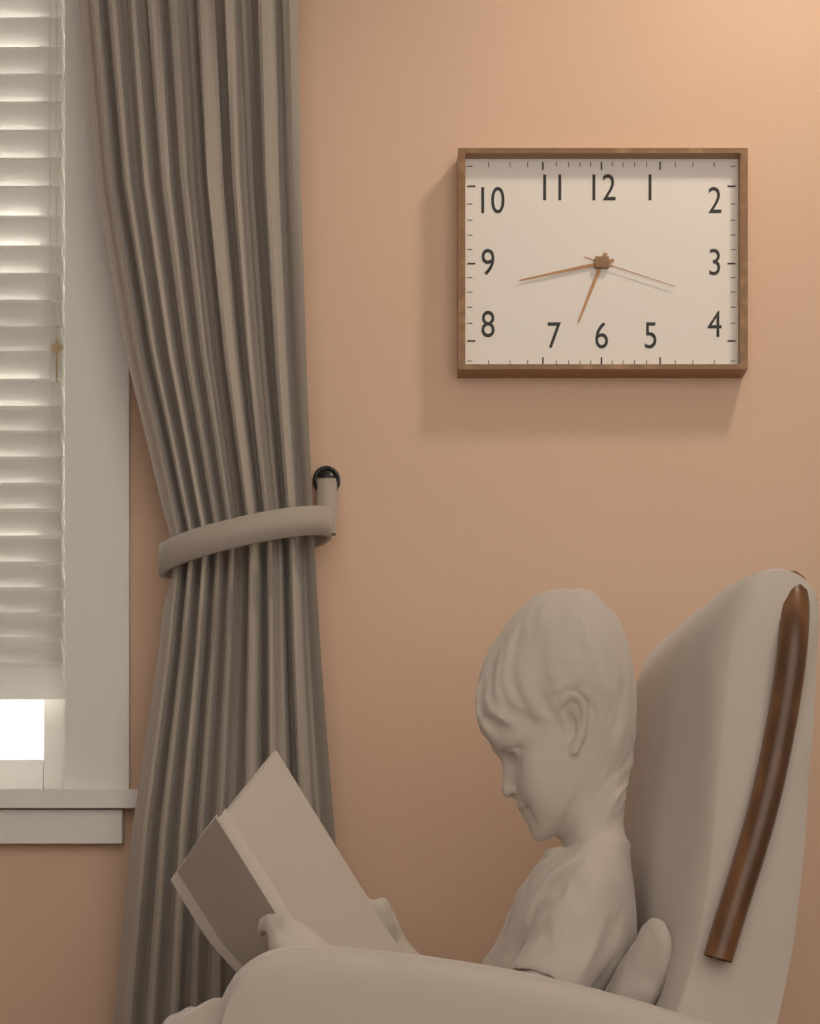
**6:43:18**
